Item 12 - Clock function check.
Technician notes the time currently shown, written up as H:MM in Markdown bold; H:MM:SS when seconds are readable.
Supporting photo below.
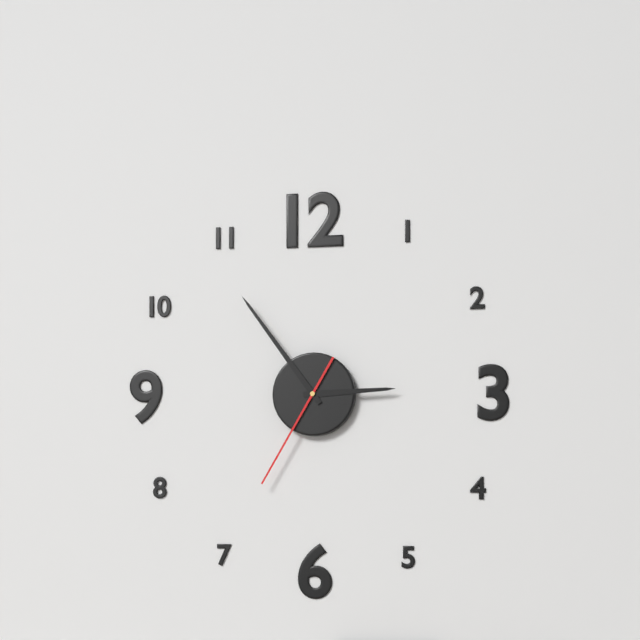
**2:54:35**
